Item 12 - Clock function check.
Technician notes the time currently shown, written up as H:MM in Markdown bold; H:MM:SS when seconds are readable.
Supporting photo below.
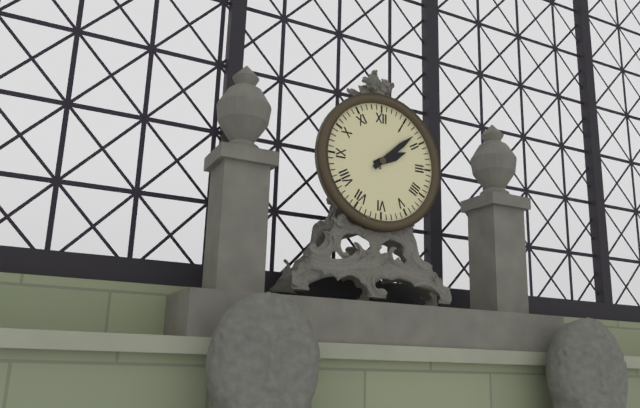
**2:08**
